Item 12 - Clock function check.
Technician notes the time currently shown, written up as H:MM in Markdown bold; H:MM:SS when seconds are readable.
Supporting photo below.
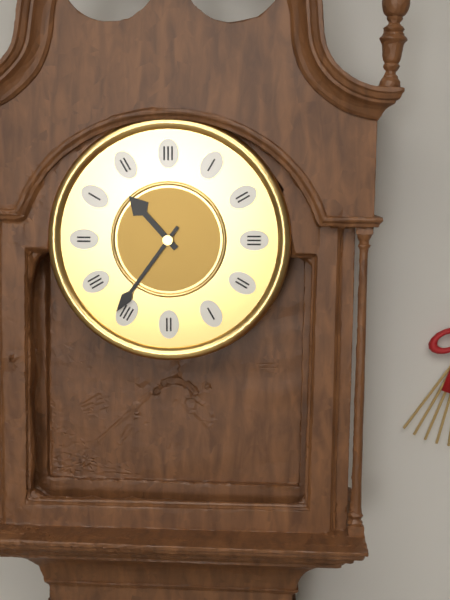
**10:36**
